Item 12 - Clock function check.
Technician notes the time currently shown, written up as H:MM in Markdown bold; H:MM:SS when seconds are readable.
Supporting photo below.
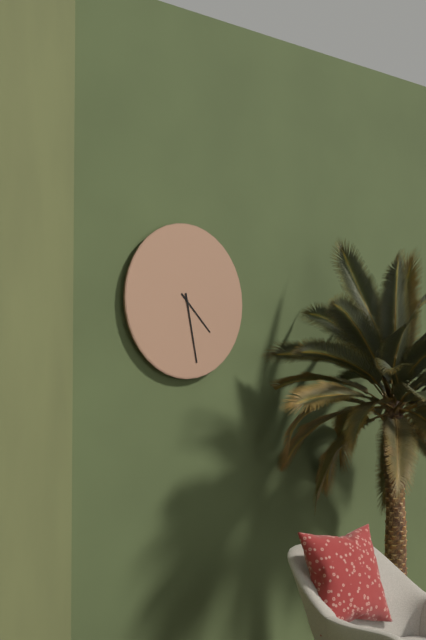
**4:28**
